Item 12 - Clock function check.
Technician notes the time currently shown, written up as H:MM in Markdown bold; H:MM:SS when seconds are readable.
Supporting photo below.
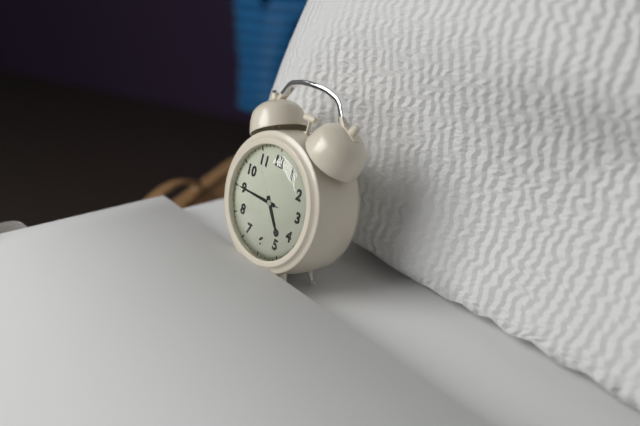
**4:45**
